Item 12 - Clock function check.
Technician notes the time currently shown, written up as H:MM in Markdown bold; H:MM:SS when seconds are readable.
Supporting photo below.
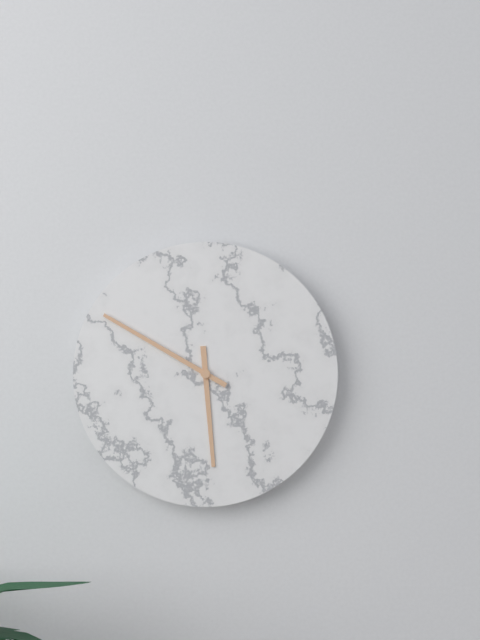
**5:50**
